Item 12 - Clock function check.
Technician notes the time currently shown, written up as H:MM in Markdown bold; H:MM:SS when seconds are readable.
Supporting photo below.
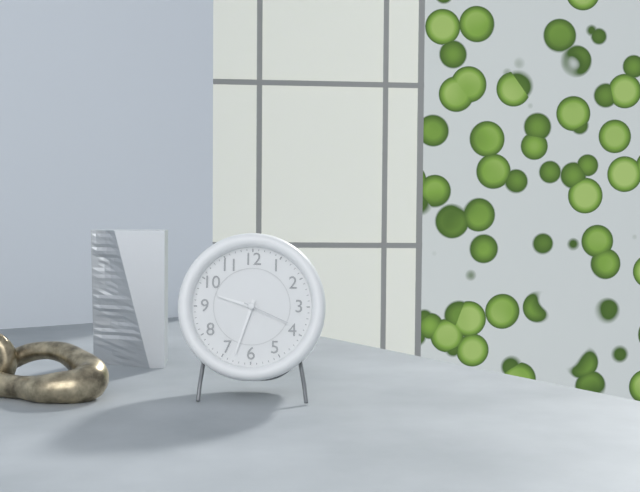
**9:33:19**
